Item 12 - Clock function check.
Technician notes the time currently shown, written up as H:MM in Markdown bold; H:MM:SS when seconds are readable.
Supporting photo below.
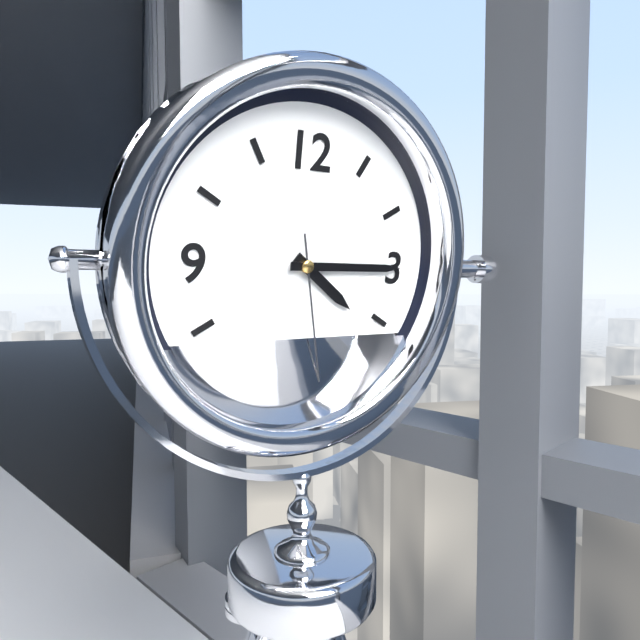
**4:15:28**
